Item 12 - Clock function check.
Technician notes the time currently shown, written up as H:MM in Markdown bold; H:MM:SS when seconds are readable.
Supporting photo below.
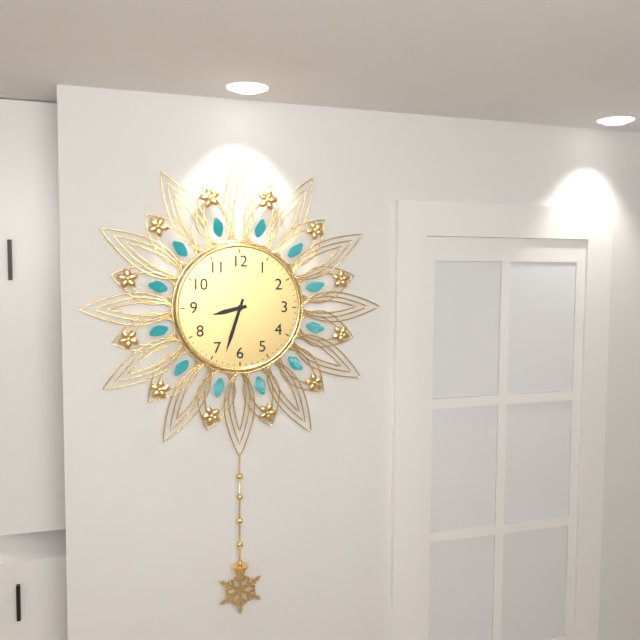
**8:33**
